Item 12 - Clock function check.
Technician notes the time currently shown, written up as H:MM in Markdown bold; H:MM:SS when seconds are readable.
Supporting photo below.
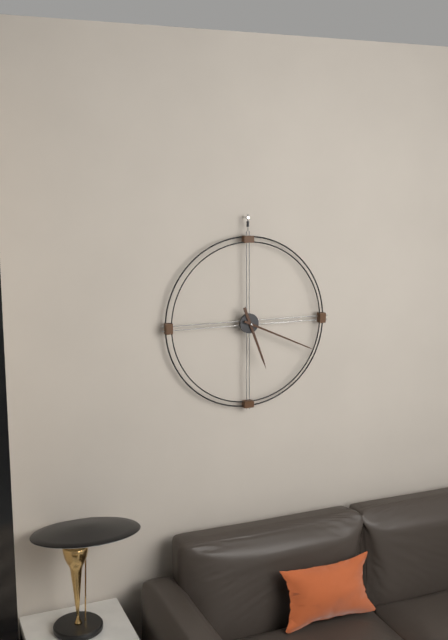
**5:19**
